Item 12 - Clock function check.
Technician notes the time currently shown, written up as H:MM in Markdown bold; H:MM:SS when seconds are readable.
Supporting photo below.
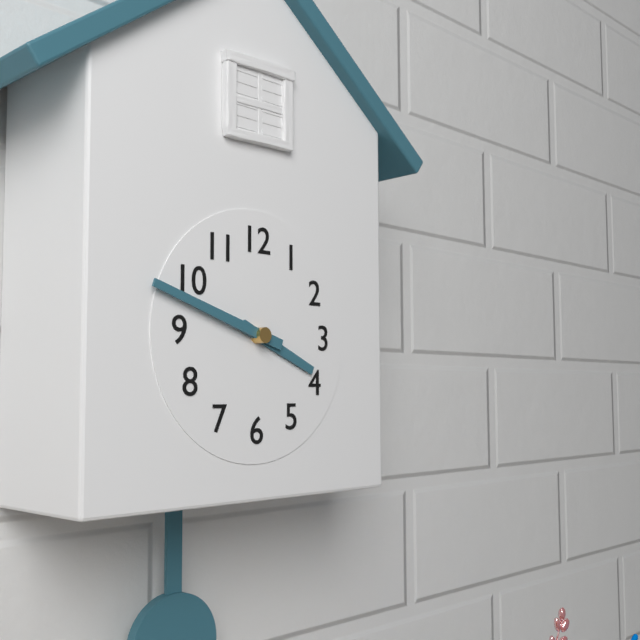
**3:48**
